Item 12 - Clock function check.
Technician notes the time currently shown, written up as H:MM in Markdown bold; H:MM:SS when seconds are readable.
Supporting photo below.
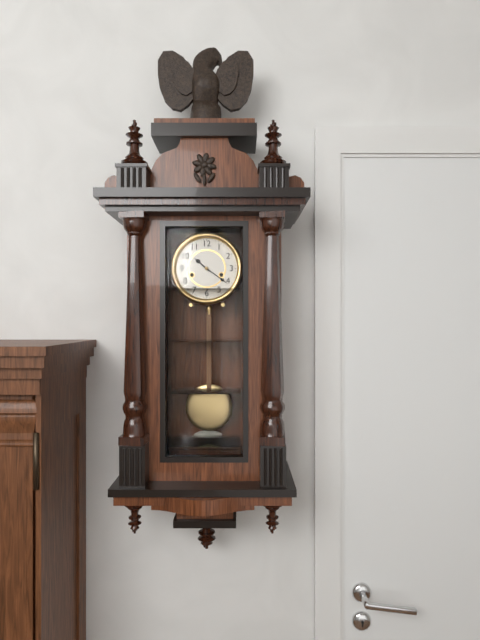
**10:21**
